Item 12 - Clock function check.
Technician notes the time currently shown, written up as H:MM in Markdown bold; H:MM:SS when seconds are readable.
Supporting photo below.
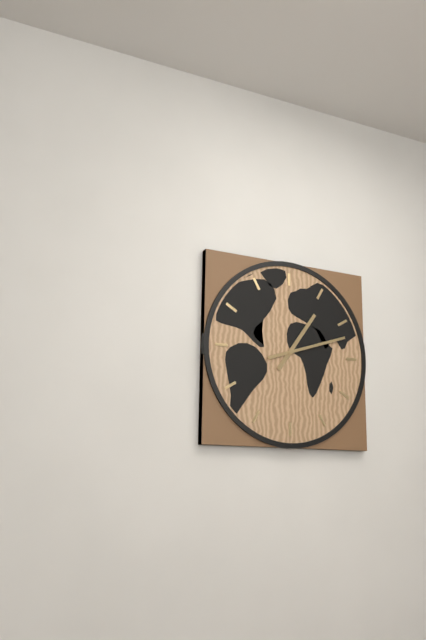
**1:12**
